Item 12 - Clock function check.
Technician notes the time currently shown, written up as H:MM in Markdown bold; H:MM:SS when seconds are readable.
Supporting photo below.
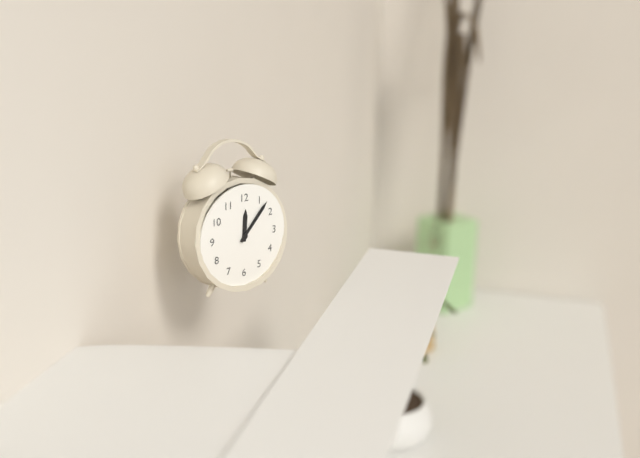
**12:07**
